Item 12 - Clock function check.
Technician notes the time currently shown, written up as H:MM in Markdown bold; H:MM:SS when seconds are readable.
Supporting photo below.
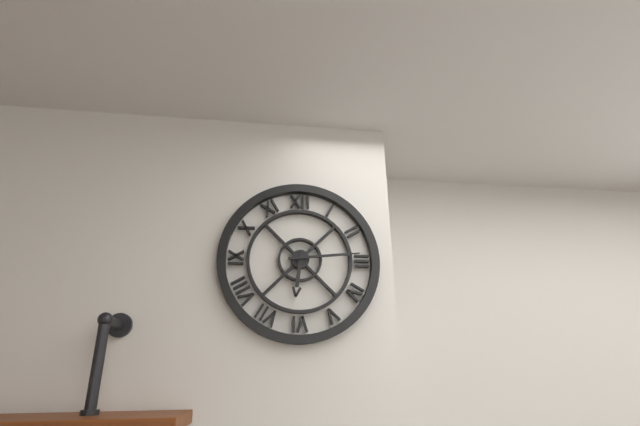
**6:14**
